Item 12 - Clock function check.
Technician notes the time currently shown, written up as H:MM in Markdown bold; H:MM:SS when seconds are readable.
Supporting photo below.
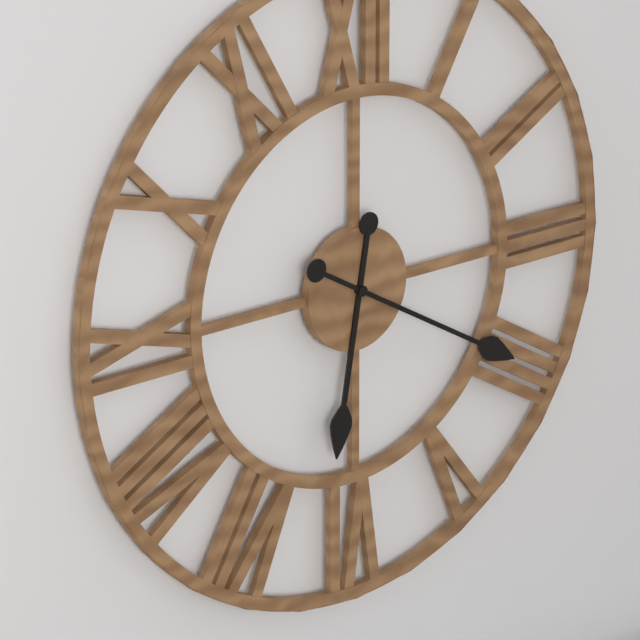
**6:20**
